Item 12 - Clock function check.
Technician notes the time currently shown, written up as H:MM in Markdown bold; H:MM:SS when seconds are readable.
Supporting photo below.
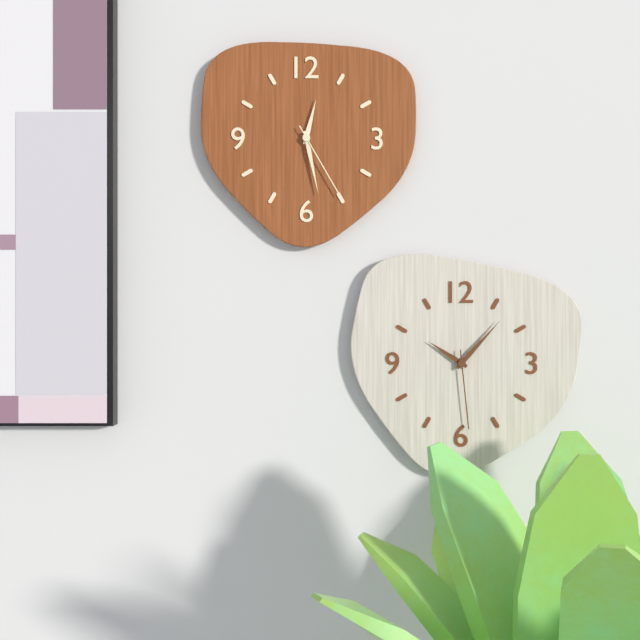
**12:28:25**
